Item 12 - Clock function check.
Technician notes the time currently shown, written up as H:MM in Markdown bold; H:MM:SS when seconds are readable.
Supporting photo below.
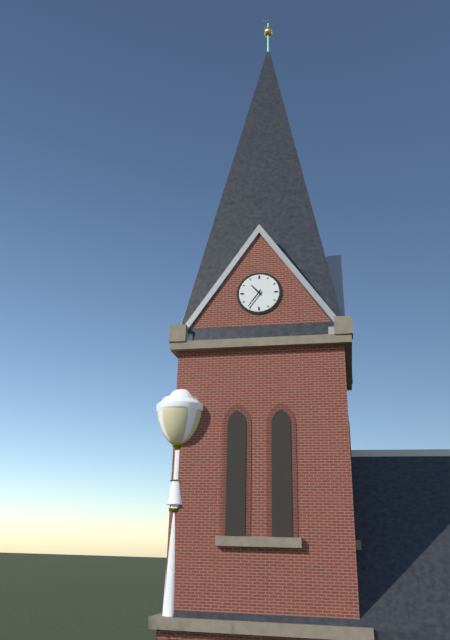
**10:36**
